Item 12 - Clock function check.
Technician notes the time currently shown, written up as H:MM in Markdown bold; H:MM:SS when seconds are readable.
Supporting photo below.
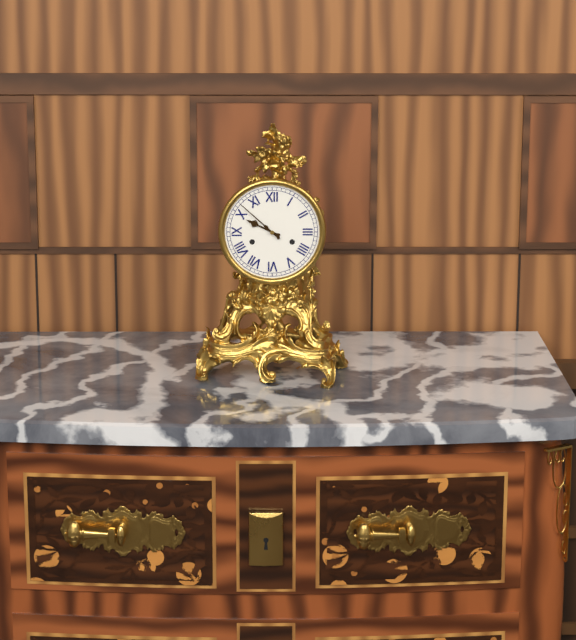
**9:52**
